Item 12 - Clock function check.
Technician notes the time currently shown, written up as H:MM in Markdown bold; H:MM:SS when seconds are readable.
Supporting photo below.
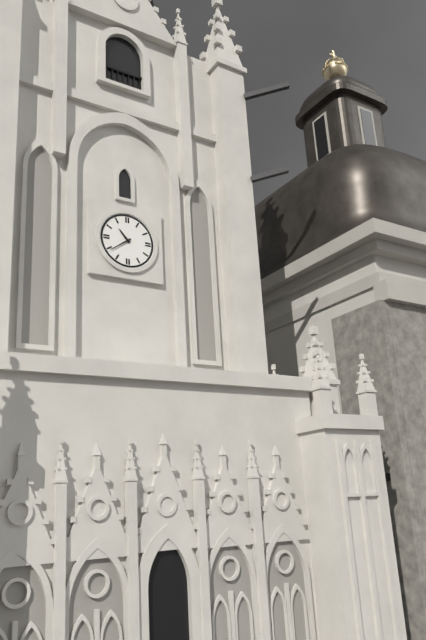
**10:39**
